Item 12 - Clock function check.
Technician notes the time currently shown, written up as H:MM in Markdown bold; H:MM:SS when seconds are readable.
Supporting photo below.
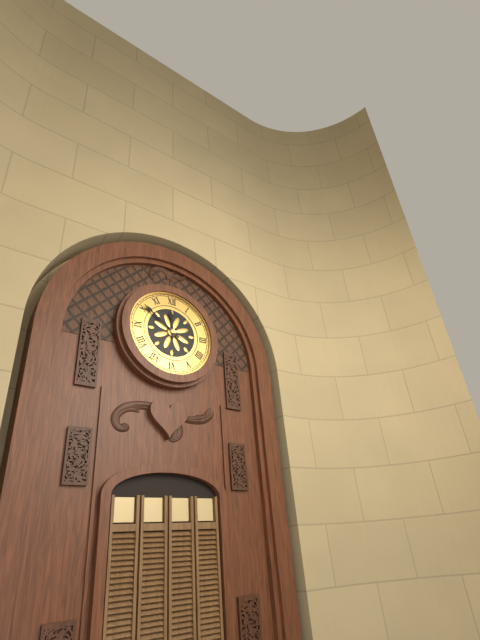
**11:51**
